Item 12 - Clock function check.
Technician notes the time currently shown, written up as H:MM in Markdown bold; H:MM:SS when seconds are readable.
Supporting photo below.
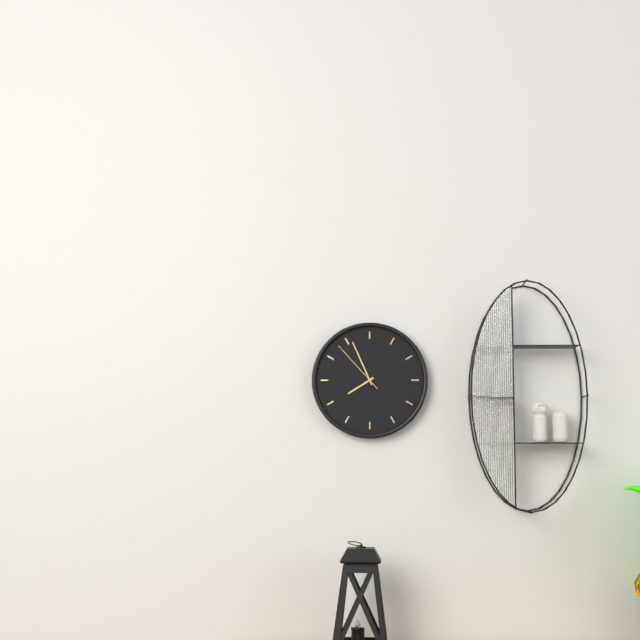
**7:56:53**
